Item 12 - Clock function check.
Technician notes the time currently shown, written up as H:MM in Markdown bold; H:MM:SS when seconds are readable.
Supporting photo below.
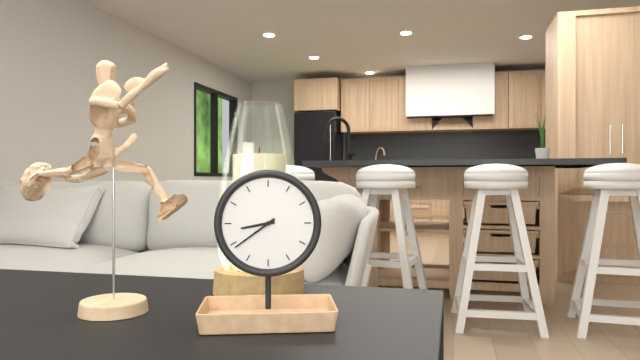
**8:39**
